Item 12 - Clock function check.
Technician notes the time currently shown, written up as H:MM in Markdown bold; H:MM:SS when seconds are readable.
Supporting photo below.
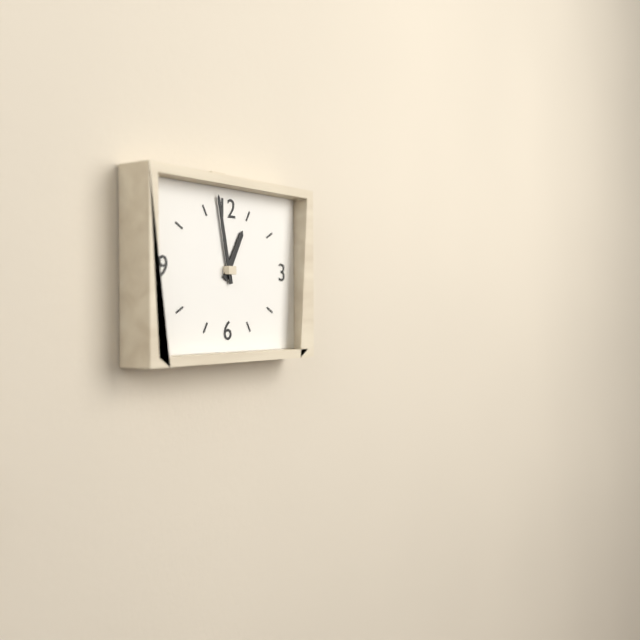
**12:58**
